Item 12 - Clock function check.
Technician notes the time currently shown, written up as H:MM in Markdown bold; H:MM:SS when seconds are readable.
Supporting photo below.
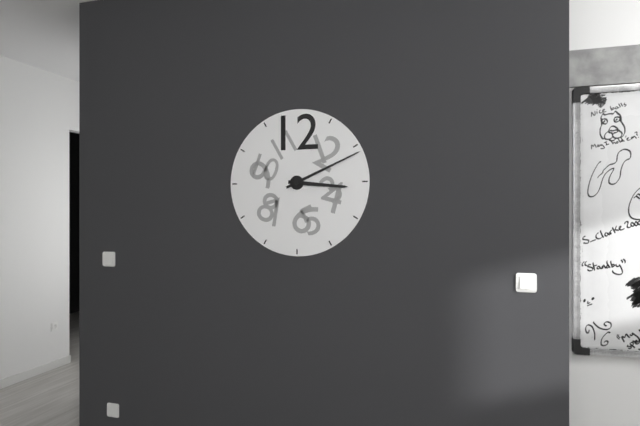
**3:11**
